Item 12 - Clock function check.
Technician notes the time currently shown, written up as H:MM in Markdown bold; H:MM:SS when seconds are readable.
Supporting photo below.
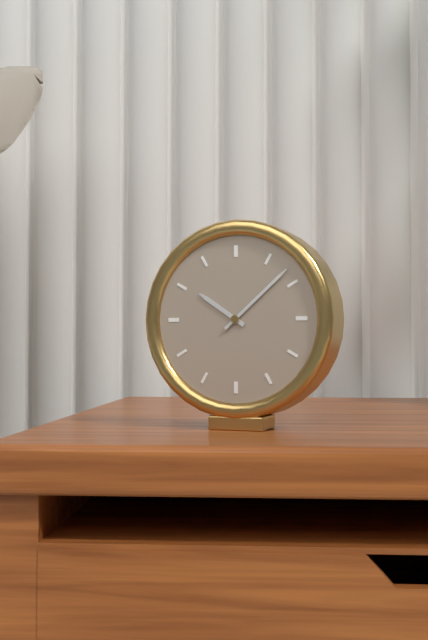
**10:08**
